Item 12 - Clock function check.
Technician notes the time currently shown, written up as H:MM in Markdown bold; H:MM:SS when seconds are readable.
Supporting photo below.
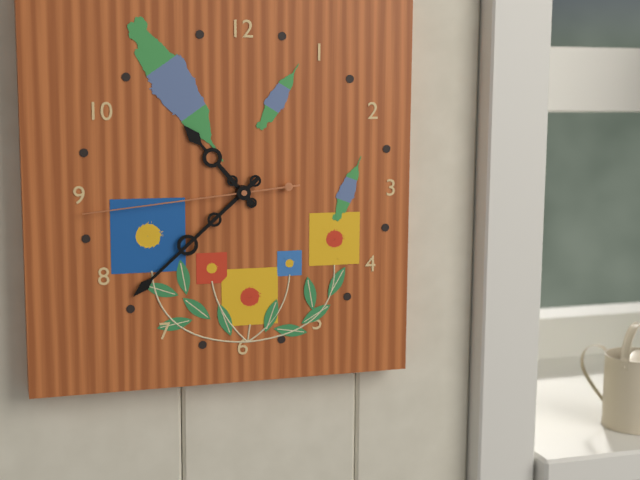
**10:38:44**
